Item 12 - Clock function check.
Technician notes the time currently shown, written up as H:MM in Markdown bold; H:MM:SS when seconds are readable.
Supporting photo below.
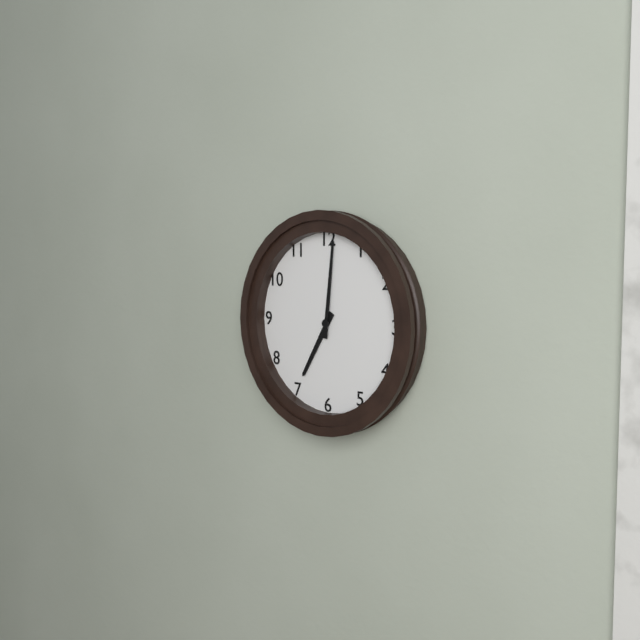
**7:01**
